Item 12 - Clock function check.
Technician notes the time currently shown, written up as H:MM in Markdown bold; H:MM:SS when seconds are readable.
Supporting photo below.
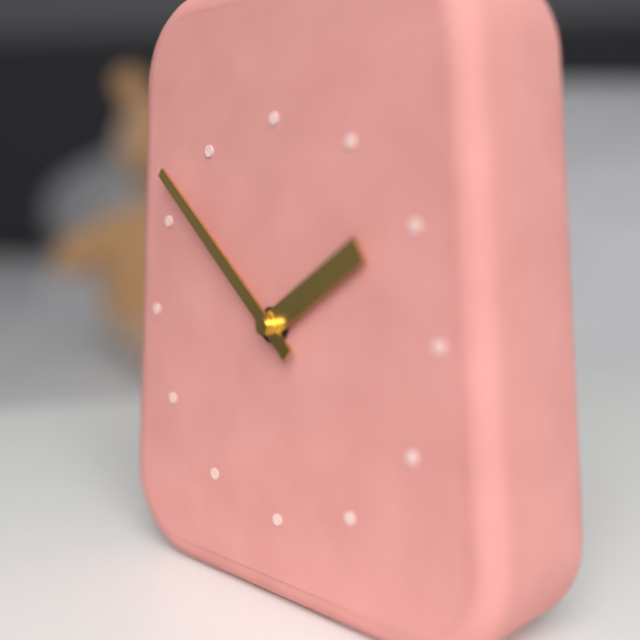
**1:52**
